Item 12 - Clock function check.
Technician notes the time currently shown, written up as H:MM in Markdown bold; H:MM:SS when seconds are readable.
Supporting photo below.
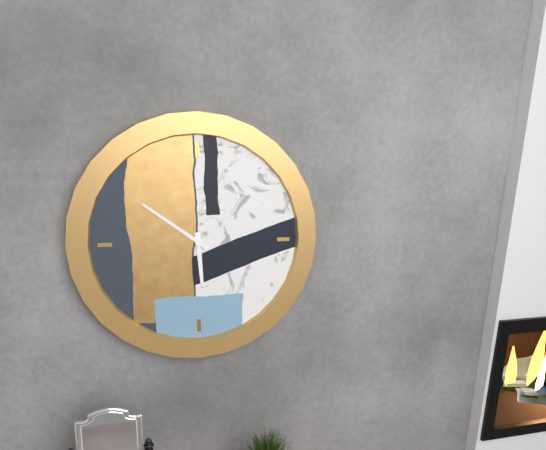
**5:51**
